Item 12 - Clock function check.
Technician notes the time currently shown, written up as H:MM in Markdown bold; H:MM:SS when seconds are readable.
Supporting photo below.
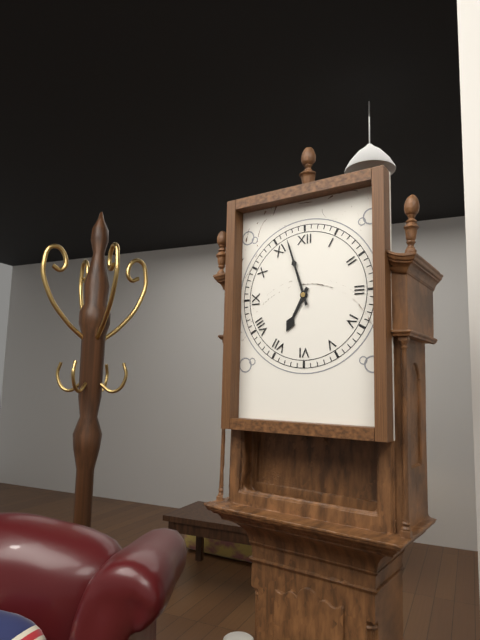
**6:57**
